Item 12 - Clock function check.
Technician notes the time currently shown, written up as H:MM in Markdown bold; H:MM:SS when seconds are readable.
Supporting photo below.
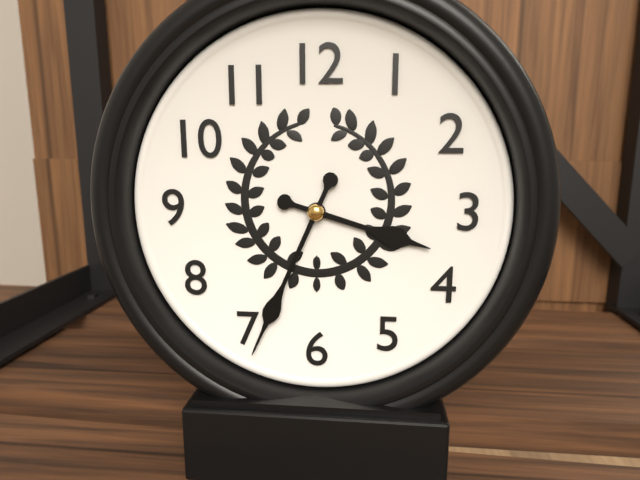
**3:34**
